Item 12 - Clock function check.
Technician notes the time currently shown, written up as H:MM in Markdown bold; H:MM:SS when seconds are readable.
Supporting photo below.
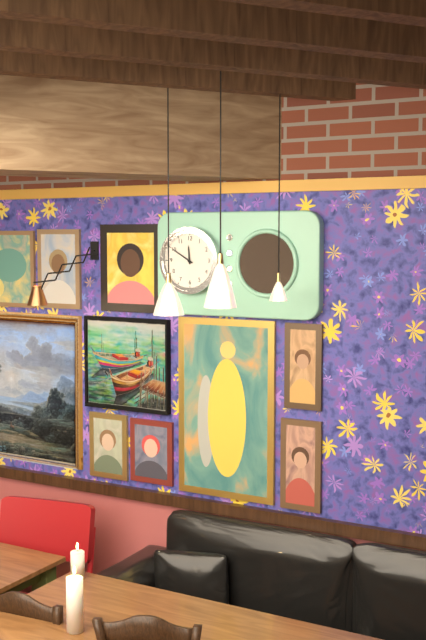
**11:50**
